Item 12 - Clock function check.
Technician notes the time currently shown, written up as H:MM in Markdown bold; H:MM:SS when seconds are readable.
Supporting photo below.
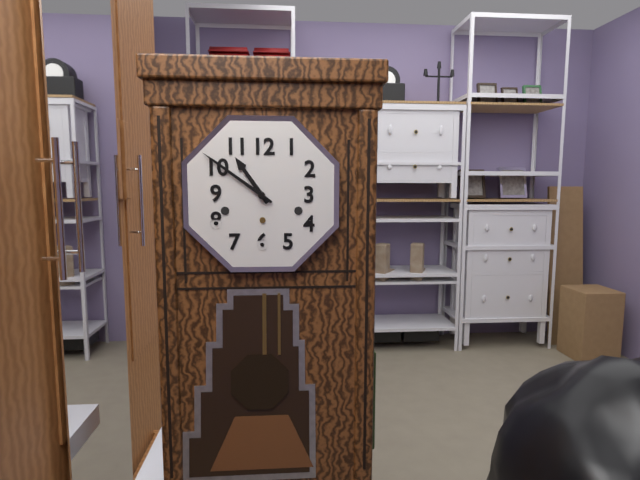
**10:51**
